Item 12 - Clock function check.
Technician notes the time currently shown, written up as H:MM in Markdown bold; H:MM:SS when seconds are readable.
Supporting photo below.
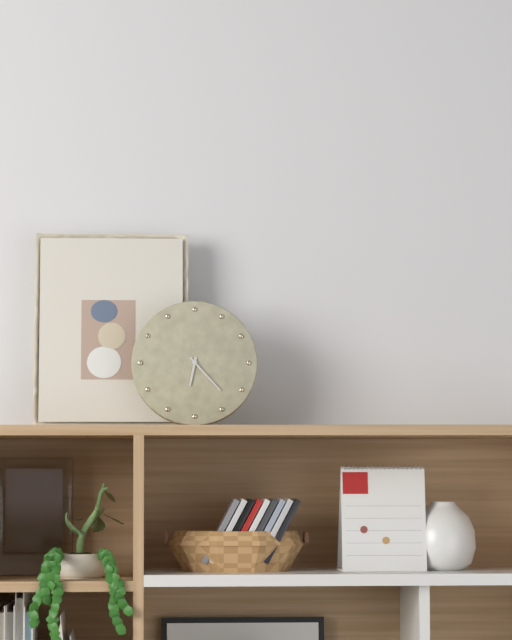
**6:23**
